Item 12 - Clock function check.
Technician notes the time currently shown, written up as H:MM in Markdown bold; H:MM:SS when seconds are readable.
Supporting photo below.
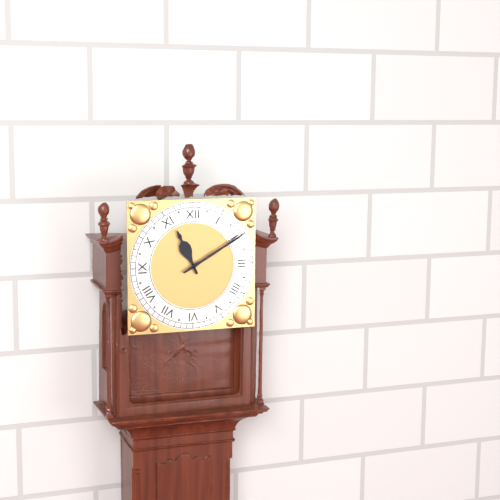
**11:10**
